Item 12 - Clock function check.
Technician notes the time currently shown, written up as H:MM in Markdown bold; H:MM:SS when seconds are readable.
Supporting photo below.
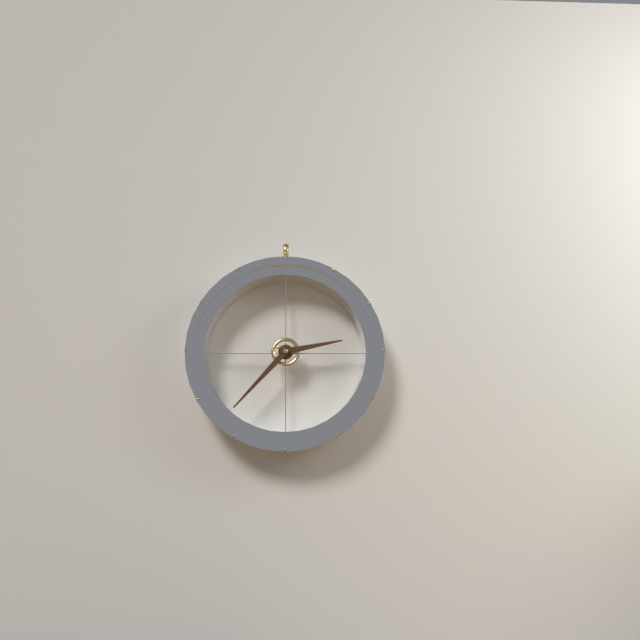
**2:37**
